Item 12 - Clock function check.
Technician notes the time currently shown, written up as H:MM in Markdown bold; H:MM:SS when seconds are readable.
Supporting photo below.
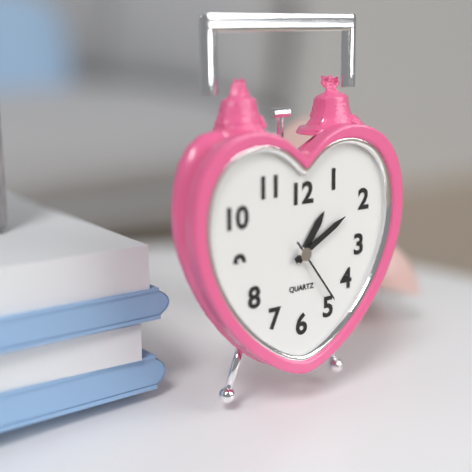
**1:10:24**
